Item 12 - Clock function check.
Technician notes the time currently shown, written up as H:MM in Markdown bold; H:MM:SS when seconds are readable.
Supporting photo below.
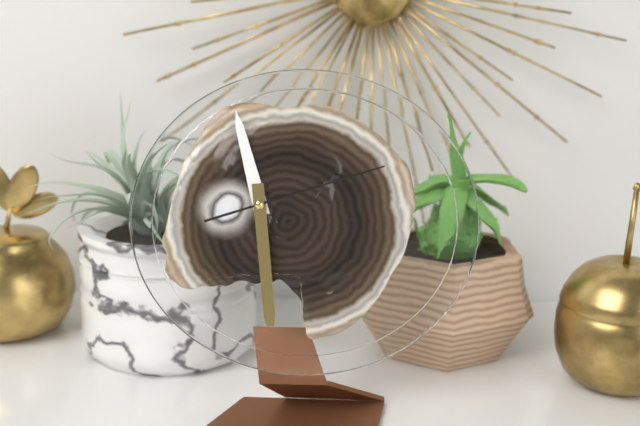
**11:29:12**
